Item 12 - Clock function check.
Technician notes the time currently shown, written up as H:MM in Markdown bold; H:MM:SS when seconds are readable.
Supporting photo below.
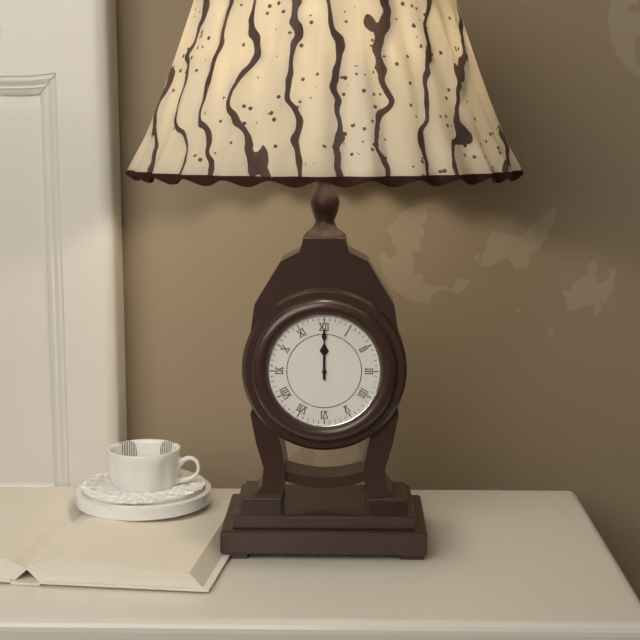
**12:00**
